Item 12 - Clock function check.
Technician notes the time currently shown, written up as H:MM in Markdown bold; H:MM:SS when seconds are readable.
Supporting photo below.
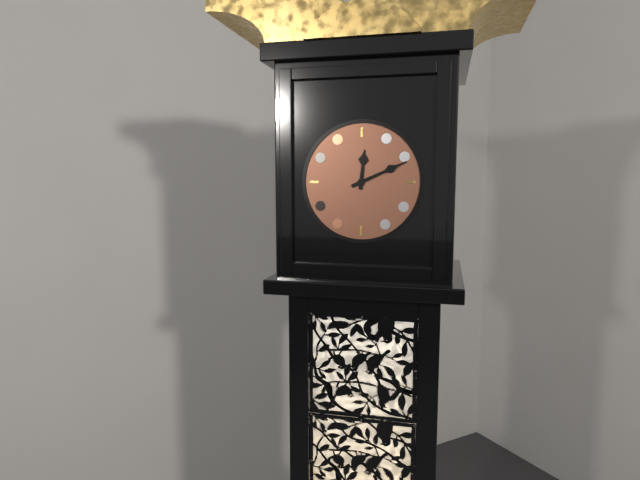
**12:11**
